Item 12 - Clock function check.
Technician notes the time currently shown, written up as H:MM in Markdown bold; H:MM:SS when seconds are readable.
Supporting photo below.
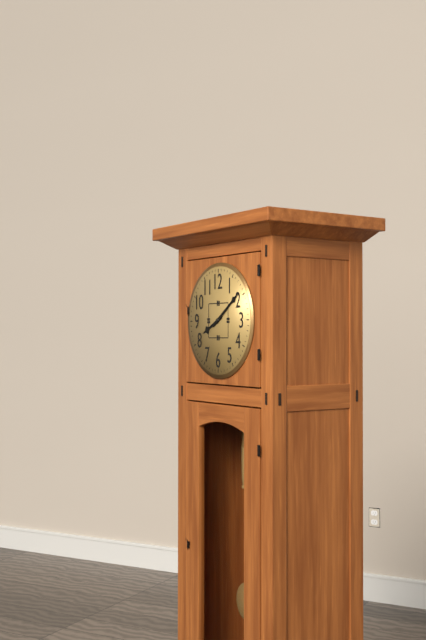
**8:09**
